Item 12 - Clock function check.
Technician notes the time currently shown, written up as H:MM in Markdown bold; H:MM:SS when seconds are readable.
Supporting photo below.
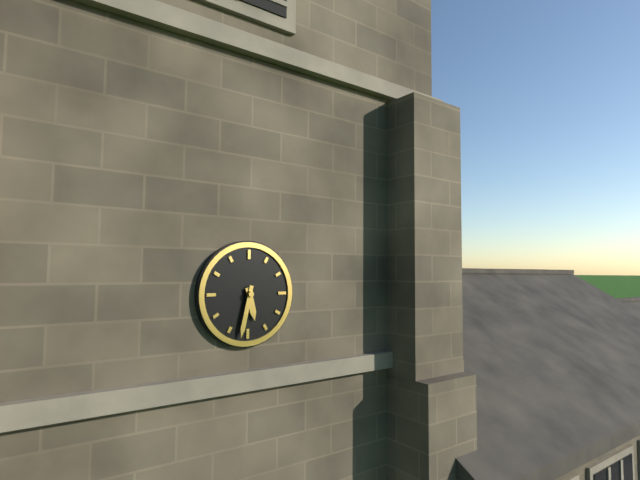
**5:32**
